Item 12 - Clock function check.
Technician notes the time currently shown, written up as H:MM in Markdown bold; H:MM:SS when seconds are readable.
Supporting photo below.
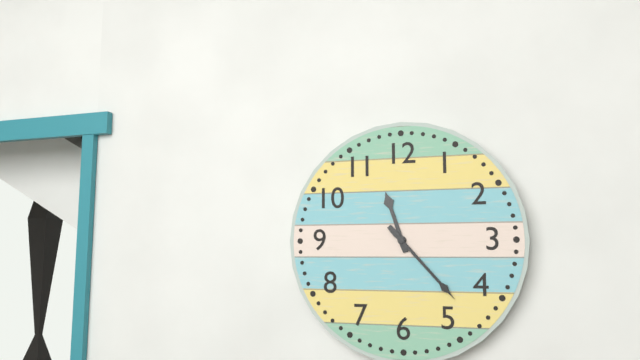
**11:23**
